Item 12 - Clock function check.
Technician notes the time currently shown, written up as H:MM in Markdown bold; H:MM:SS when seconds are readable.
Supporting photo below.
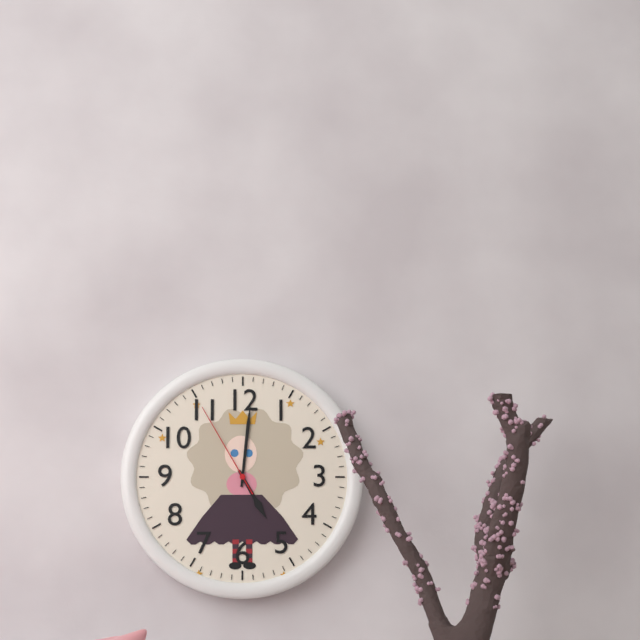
**5:01:55**
